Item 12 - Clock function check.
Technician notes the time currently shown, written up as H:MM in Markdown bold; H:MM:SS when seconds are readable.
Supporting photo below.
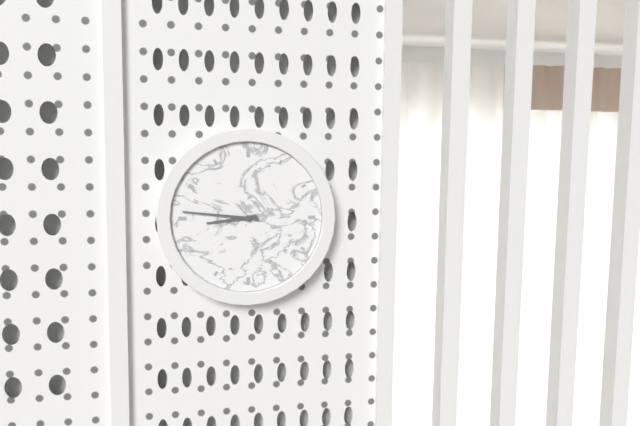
**8:46**
